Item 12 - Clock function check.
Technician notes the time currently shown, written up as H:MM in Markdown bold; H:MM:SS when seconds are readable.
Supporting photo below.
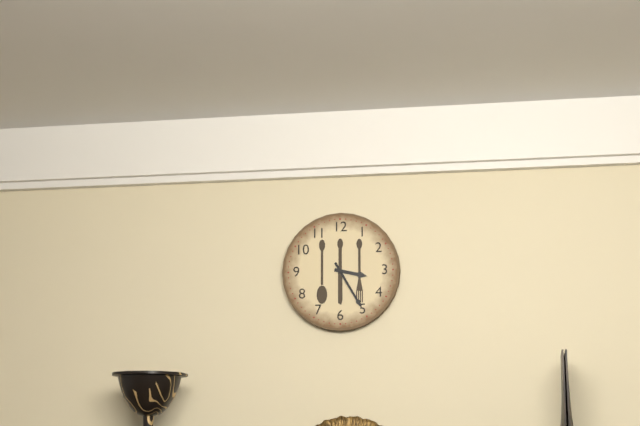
**3:25**
